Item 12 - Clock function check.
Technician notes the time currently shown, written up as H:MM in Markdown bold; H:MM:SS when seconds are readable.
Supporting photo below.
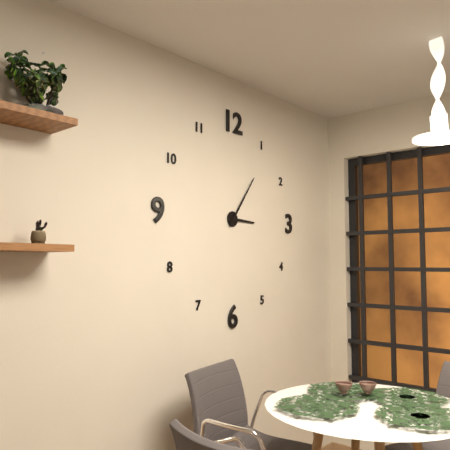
**3:06**
